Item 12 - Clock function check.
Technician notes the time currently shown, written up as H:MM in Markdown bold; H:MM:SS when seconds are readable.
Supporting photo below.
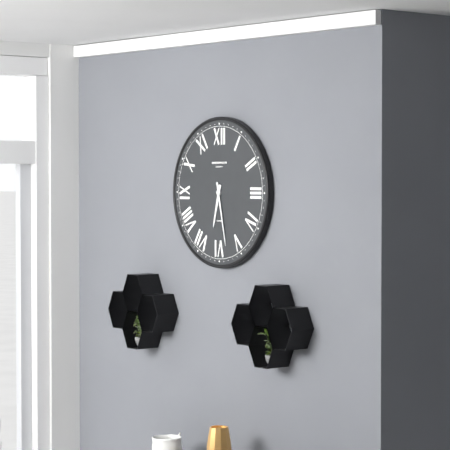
**6:28**
